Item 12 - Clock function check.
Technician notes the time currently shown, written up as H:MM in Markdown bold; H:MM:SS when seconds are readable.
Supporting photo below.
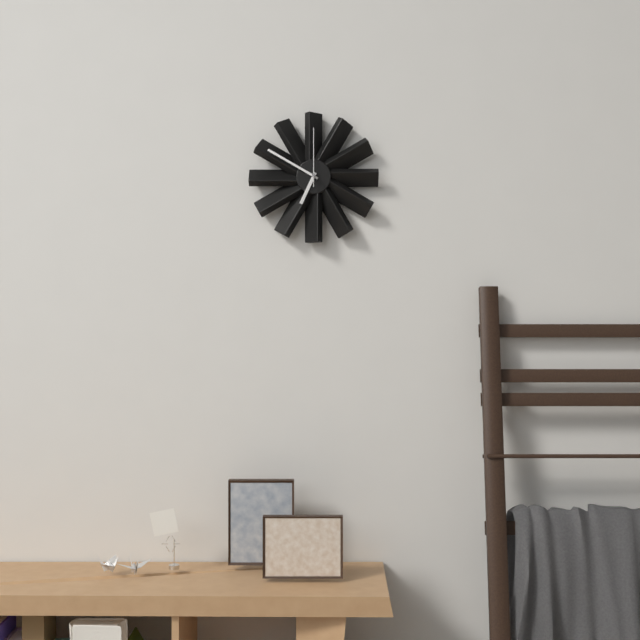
**6:50:00**
